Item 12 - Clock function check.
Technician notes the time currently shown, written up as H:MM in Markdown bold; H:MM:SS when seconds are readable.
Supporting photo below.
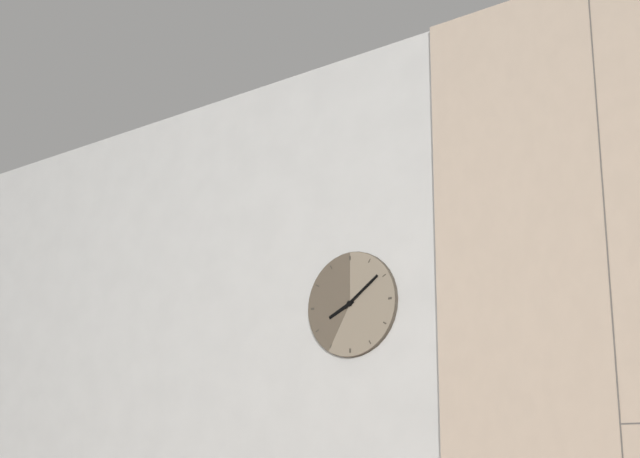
**8:09**
